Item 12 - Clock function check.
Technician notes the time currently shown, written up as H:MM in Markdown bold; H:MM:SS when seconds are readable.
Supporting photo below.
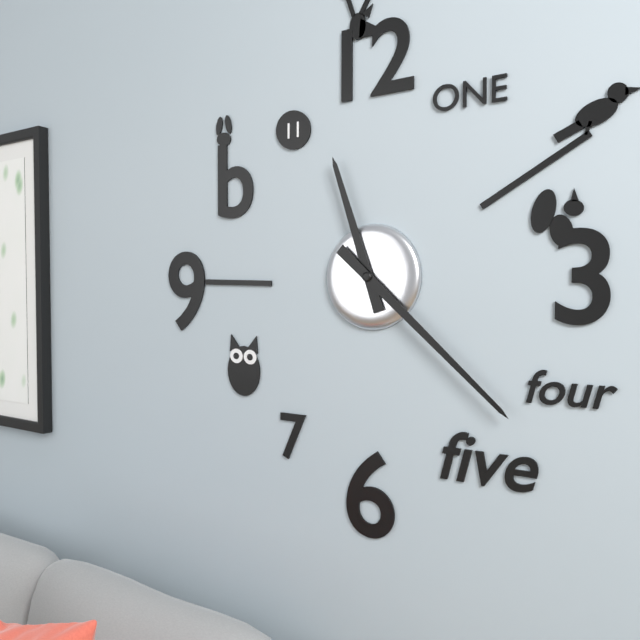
**11:22**
